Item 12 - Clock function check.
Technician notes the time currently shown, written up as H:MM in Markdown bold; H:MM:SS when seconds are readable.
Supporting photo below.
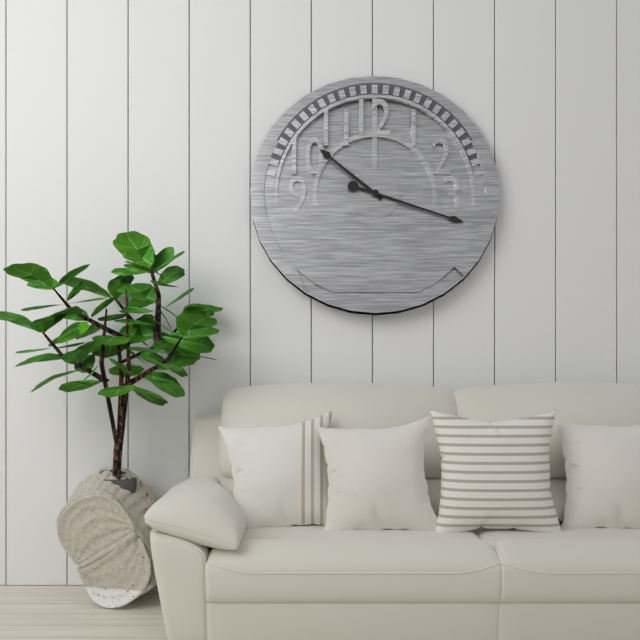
**10:18**
